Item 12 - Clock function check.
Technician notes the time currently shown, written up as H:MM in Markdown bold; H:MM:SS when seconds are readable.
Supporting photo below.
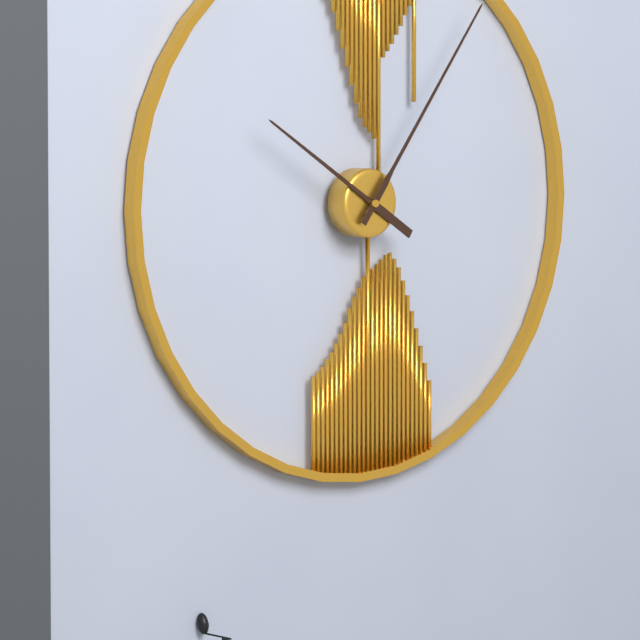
**10:06**
